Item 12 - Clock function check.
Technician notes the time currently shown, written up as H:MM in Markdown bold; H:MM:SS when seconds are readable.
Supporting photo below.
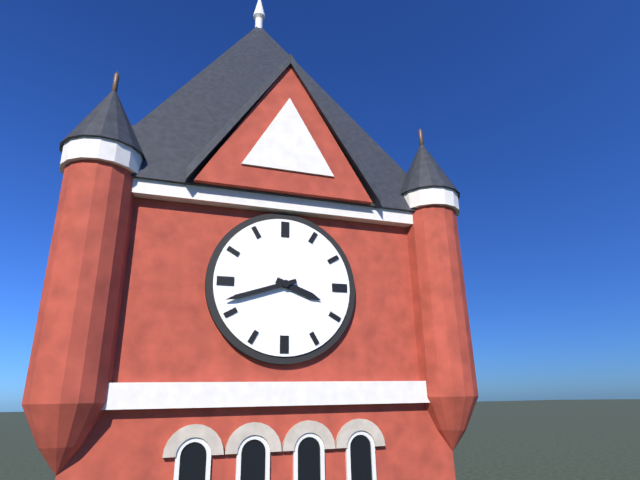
**3:42**
